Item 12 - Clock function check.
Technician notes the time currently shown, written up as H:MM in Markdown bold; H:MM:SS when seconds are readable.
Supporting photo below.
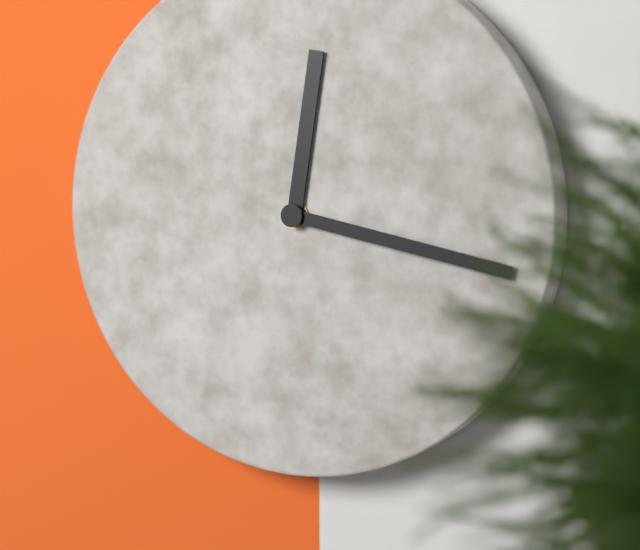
**12:17**
